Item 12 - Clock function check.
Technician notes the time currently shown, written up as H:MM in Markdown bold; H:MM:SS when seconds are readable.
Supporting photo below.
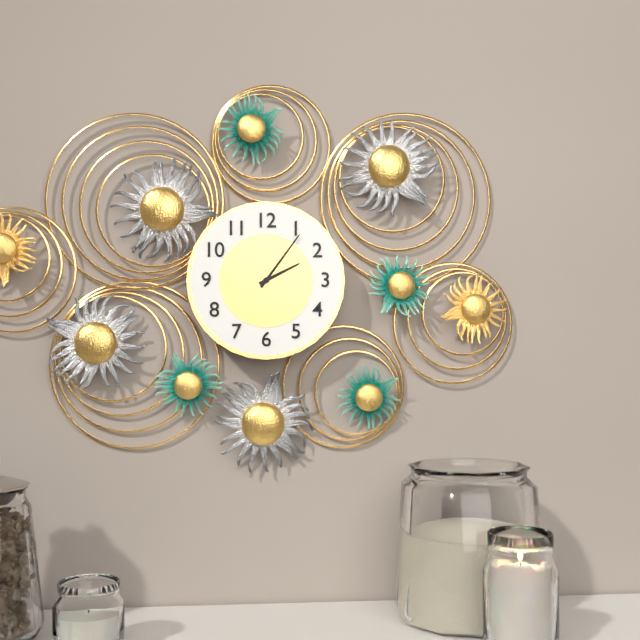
**2:06**
